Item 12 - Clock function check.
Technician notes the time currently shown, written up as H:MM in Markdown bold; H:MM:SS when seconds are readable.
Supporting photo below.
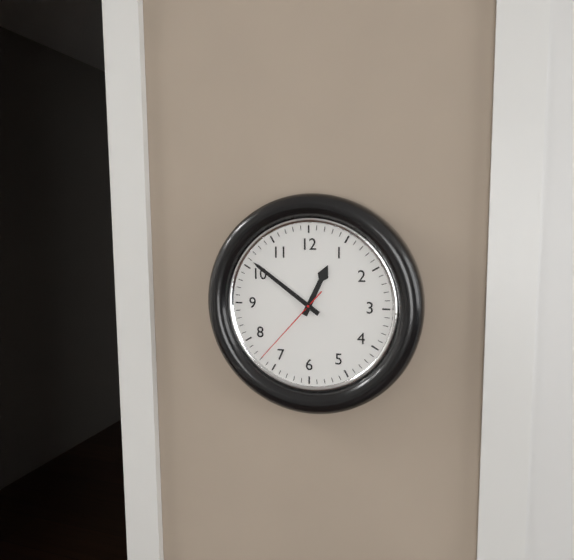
**12:51:37**
